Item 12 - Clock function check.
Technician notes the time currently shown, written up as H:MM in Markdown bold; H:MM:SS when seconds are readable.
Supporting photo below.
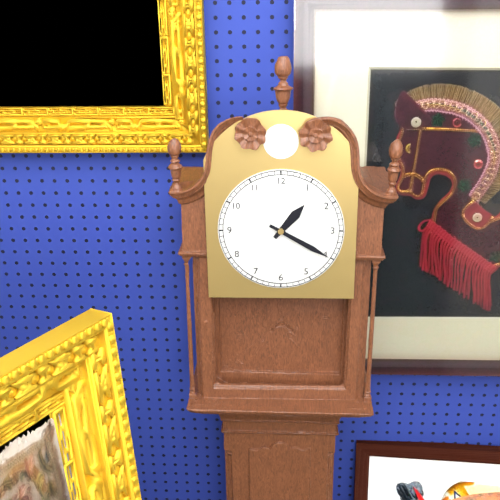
**1:20**
